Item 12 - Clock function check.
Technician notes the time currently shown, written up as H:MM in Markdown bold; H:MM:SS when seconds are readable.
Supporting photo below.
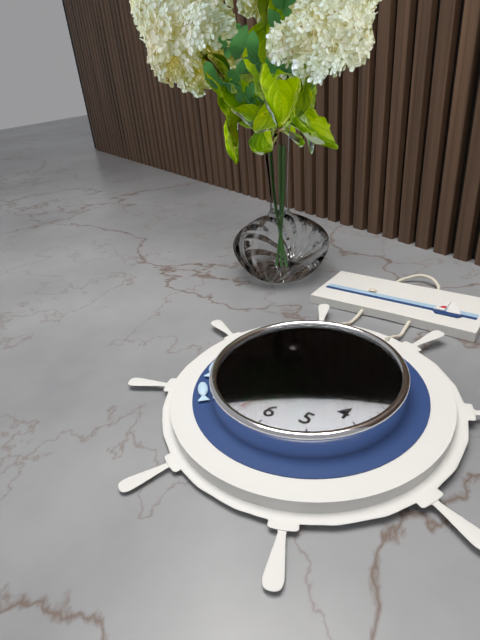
**11:45:33**
